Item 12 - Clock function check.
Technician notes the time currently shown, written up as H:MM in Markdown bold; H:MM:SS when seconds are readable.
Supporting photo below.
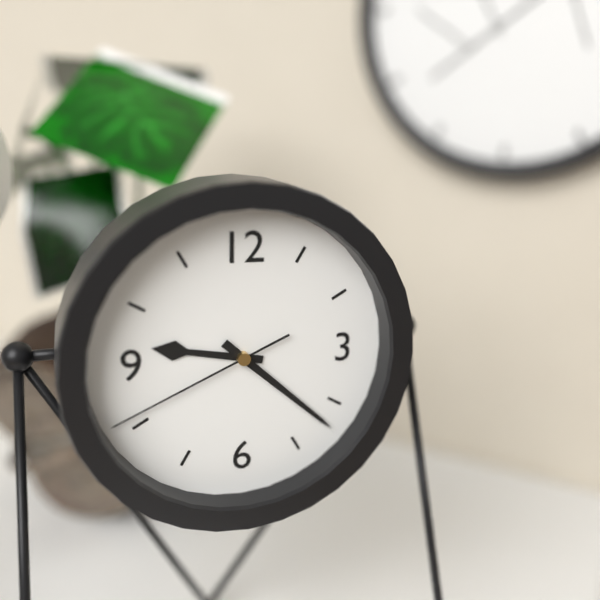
**9:22:41**
